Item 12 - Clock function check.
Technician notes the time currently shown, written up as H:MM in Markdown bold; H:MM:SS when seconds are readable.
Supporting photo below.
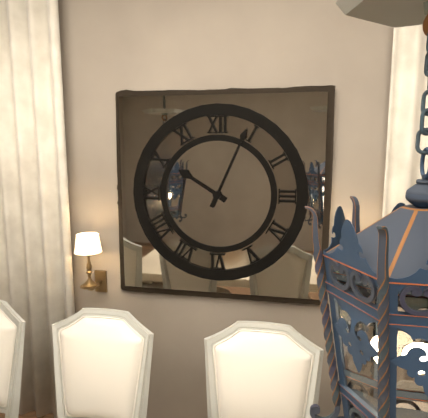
**10:04**
